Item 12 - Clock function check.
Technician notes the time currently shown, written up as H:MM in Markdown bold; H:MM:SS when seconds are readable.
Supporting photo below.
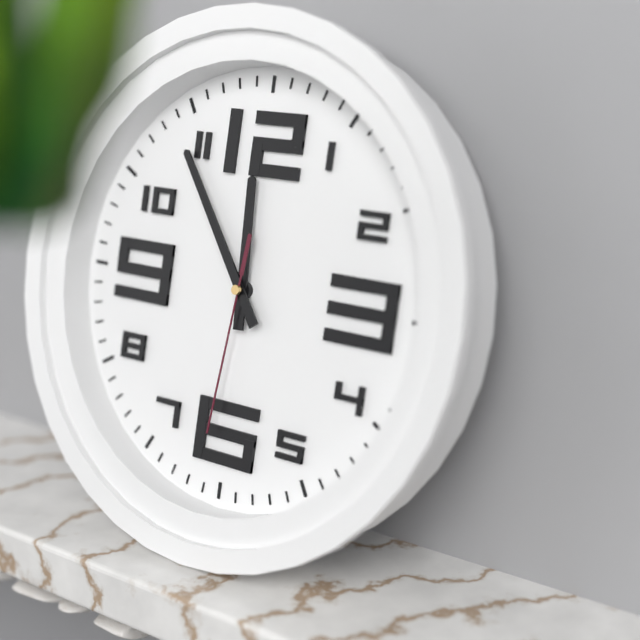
**11:54:31**
